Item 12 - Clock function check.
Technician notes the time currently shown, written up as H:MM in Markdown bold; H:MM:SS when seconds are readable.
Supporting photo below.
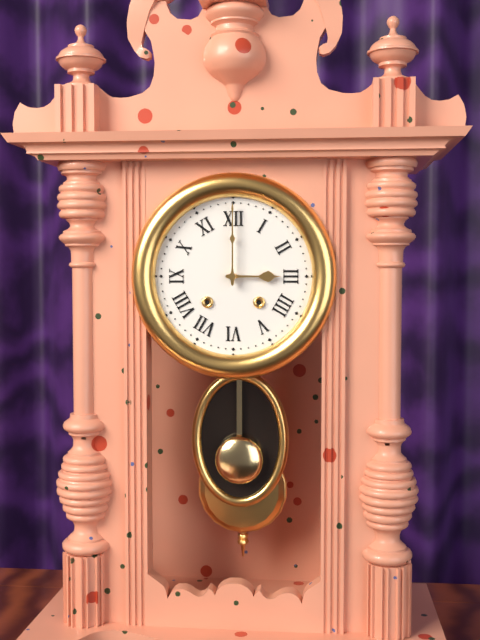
**3:00**
